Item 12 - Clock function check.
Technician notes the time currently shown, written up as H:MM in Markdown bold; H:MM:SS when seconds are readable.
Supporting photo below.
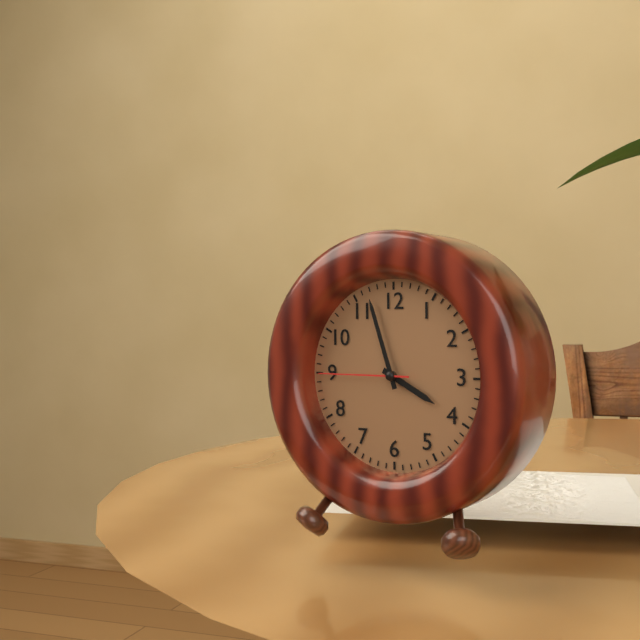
**3:57:45**
